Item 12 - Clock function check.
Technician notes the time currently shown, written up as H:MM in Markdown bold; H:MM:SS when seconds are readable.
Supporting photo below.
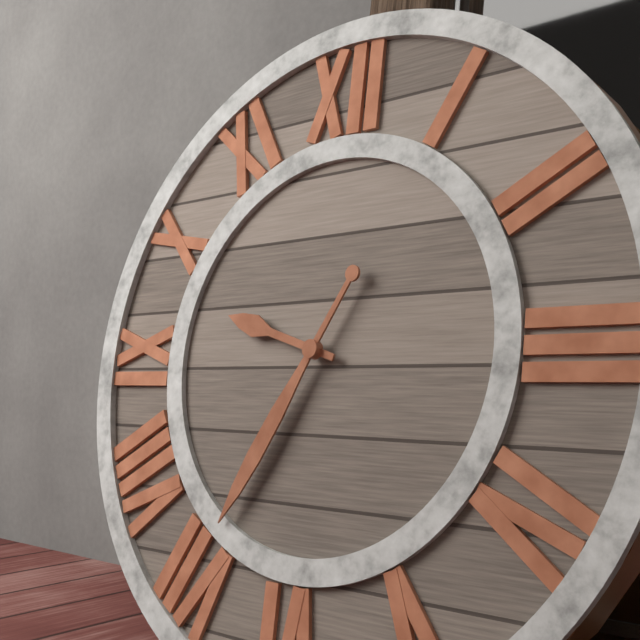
**9:35**
